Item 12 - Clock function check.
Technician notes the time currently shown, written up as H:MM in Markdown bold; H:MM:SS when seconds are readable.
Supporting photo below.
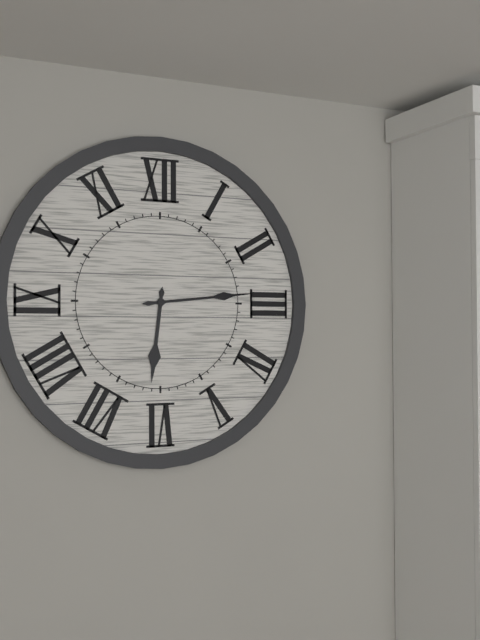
**6:14**
